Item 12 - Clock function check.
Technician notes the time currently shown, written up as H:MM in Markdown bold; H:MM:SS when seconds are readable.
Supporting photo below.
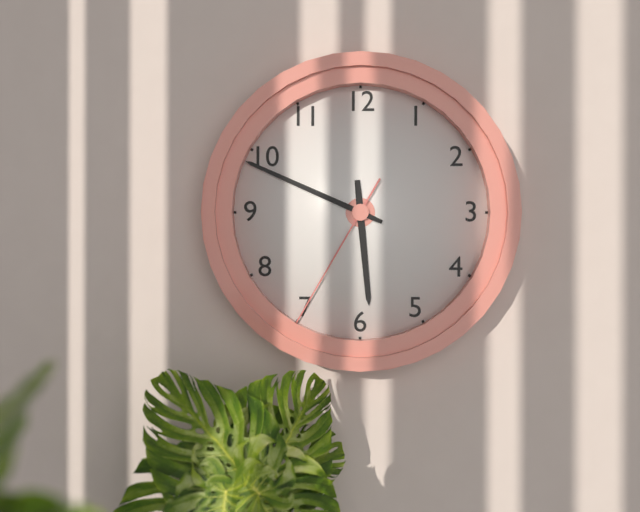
**5:49:35**
